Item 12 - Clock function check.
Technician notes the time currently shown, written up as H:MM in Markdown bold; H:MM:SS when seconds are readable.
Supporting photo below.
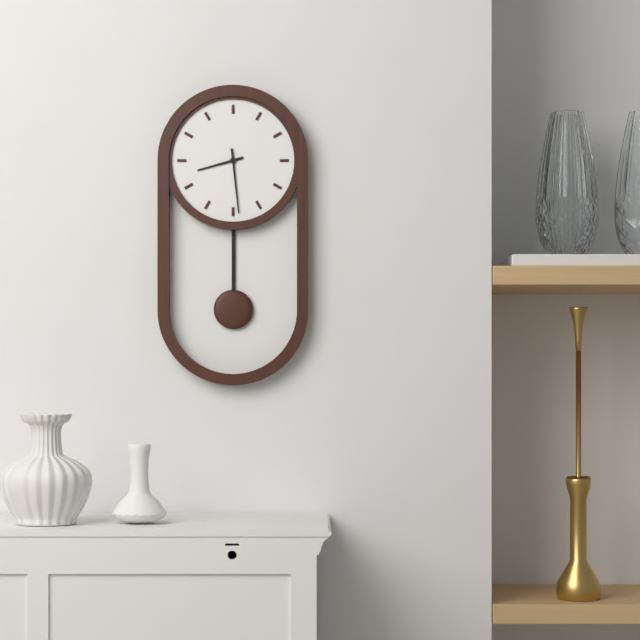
**8:29**
